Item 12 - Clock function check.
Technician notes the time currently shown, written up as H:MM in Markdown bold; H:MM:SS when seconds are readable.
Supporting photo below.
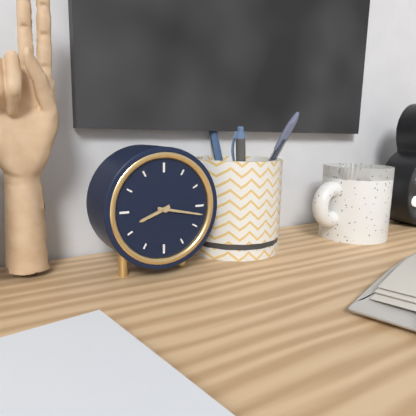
**8:17**
